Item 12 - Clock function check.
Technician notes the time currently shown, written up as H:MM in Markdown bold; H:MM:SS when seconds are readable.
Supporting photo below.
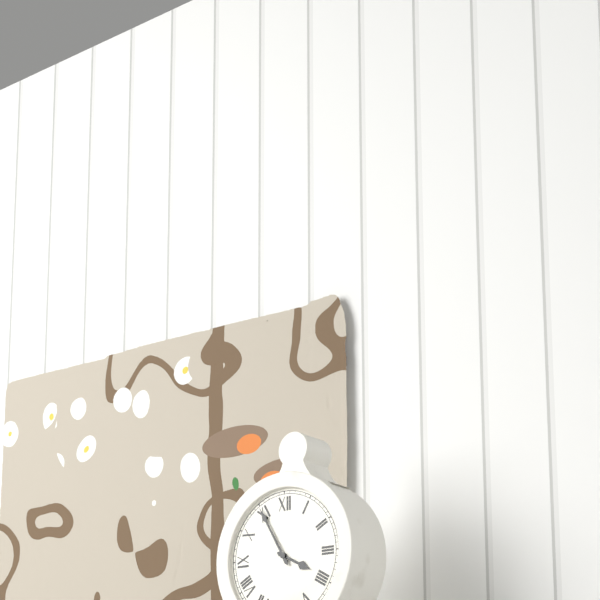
**3:55**
